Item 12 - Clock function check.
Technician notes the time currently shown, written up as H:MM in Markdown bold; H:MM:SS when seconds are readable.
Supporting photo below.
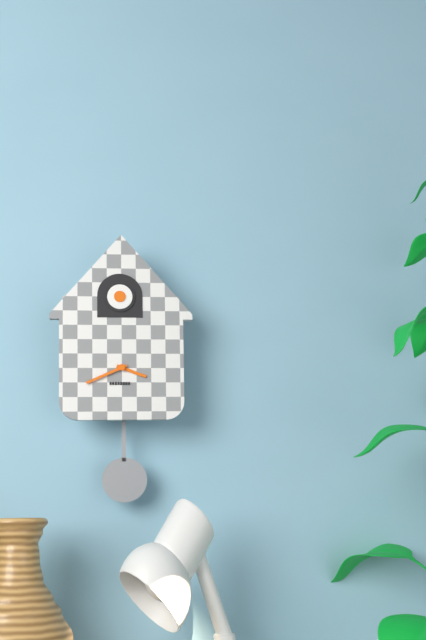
**3:41**
